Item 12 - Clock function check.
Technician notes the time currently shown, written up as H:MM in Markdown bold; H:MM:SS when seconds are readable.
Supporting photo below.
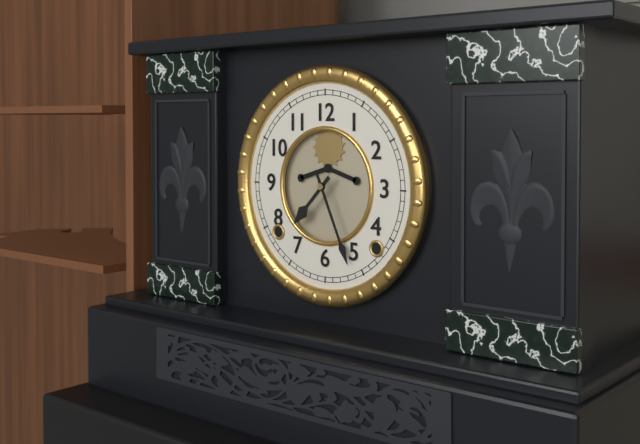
**7:26**
